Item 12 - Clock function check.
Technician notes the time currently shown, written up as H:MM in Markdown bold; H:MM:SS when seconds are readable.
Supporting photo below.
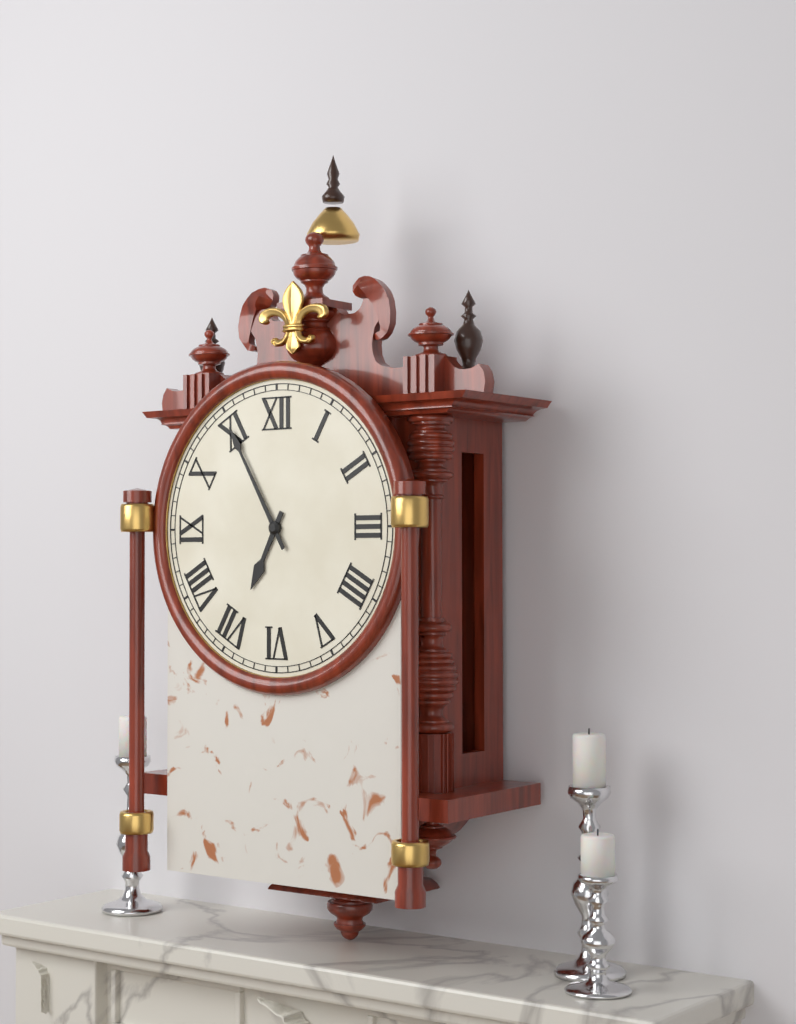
**6:55**
